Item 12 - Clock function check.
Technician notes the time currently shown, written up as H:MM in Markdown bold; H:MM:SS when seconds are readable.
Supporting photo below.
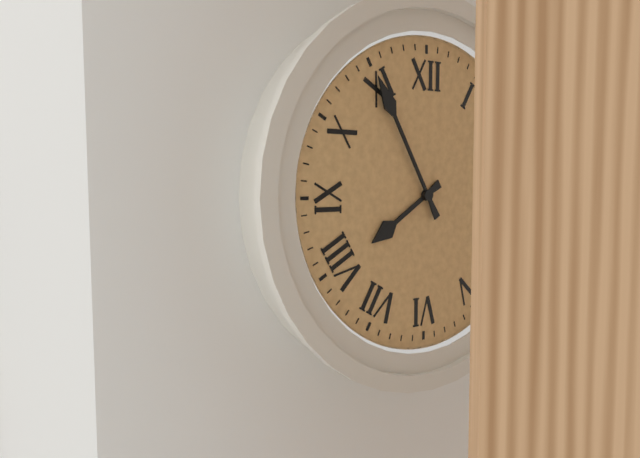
**7:55**
